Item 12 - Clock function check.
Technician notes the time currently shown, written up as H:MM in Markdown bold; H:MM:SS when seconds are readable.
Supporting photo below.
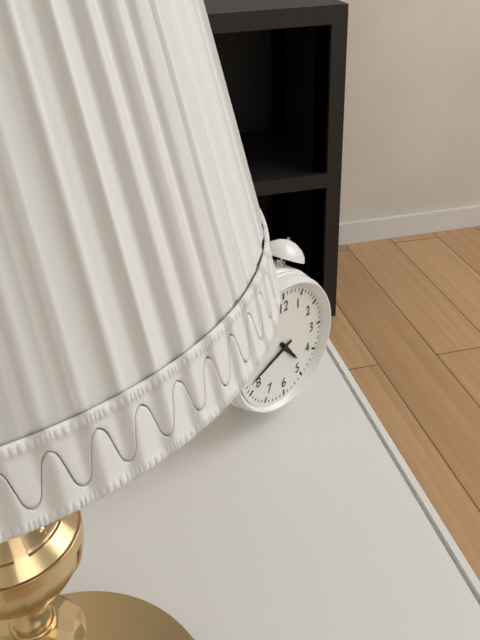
**4:42**
